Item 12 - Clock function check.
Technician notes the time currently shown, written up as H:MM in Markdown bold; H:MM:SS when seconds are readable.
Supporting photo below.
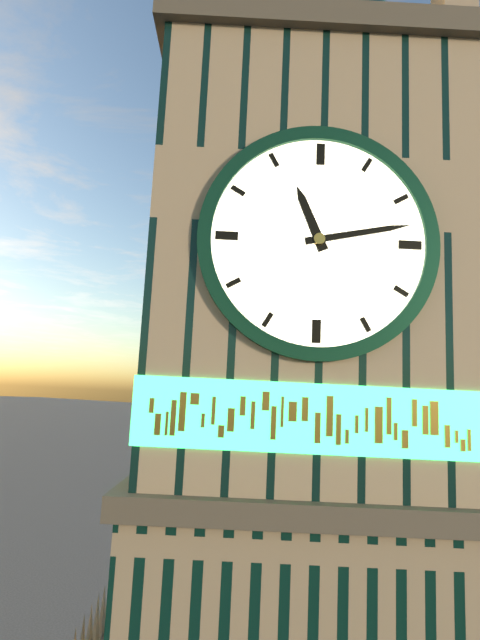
**11:13**
